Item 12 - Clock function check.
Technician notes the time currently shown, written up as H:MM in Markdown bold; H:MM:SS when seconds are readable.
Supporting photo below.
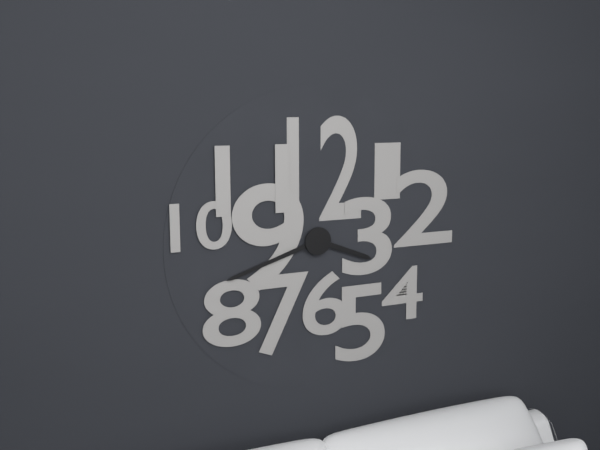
**3:42**
